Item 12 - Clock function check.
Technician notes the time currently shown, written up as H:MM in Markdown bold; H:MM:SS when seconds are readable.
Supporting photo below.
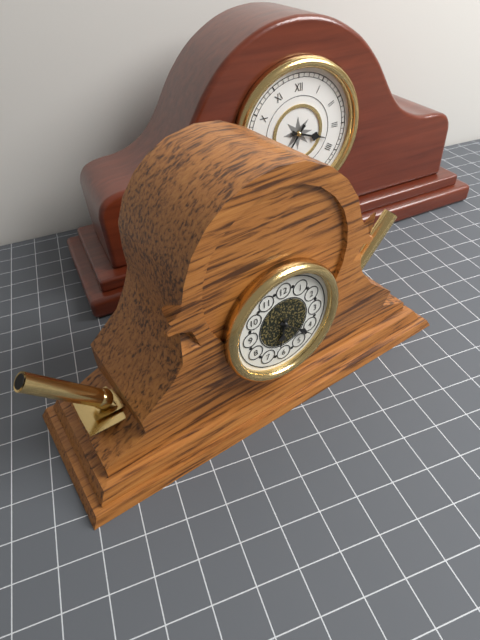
**6:22**
